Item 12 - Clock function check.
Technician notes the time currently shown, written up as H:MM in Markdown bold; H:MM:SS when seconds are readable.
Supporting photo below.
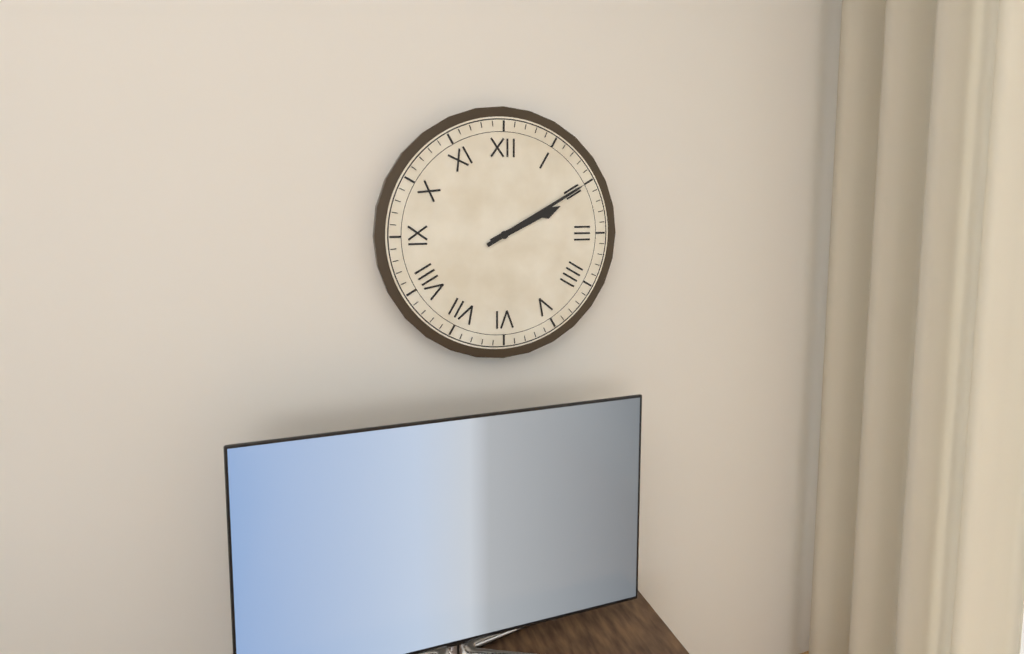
**2:10**
